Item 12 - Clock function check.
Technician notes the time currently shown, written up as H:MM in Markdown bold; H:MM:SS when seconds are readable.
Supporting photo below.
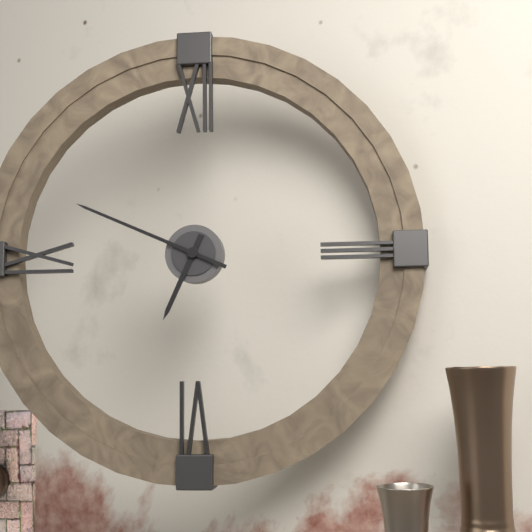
**6:49**
